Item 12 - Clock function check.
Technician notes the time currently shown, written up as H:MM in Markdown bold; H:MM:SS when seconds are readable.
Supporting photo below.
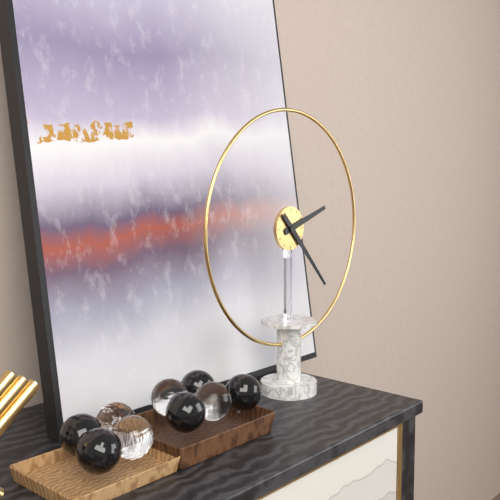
**2:23**
